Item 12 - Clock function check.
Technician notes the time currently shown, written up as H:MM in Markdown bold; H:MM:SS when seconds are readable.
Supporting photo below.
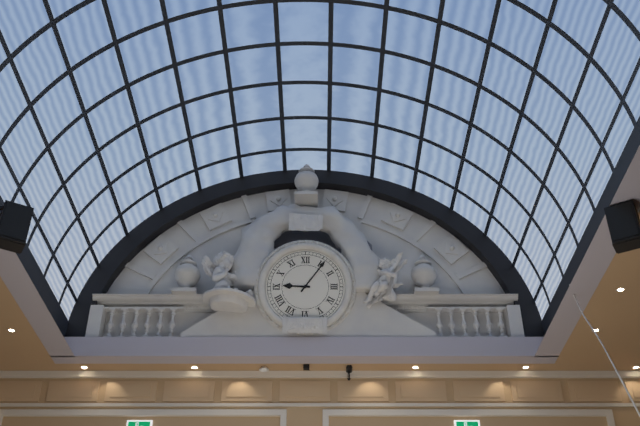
**9:06**
